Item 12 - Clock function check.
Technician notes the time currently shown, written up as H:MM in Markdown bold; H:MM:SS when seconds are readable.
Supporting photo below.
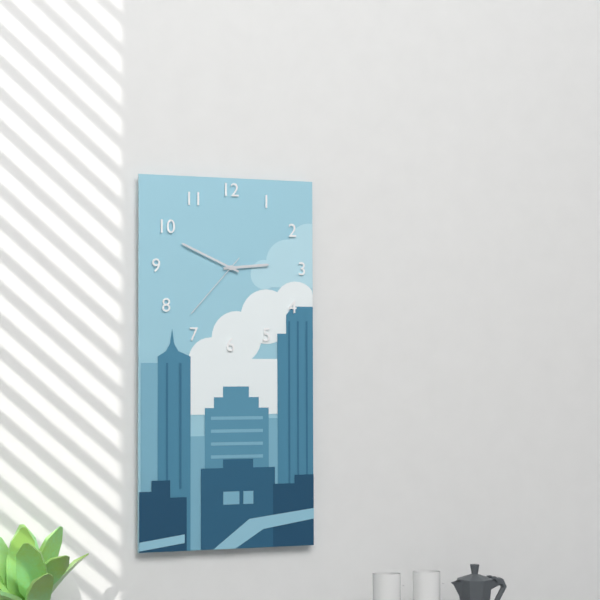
**2:49:37**
